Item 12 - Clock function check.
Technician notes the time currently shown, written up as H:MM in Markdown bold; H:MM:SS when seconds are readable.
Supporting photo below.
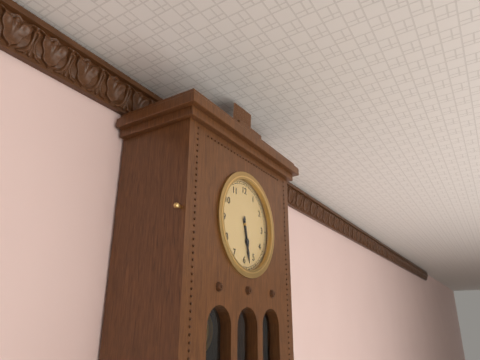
**5:28**
